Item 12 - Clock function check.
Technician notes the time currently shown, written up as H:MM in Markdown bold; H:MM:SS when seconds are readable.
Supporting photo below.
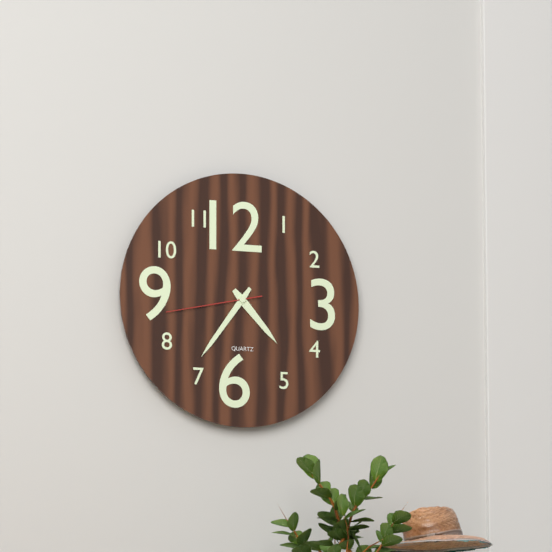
**4:36:43**
